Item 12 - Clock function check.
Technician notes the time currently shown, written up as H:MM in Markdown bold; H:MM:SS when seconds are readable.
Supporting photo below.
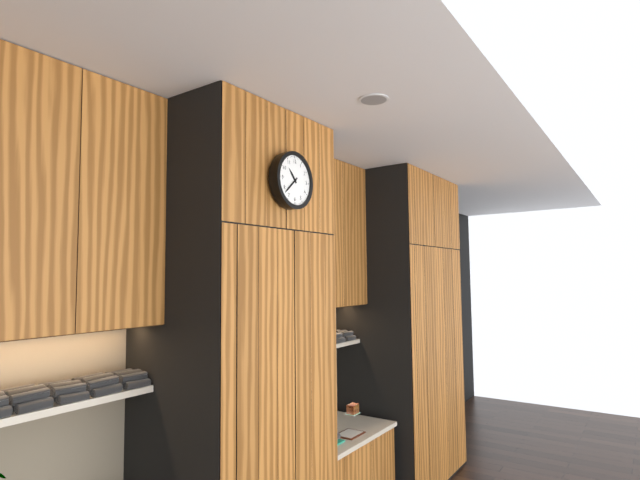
**10:38**
